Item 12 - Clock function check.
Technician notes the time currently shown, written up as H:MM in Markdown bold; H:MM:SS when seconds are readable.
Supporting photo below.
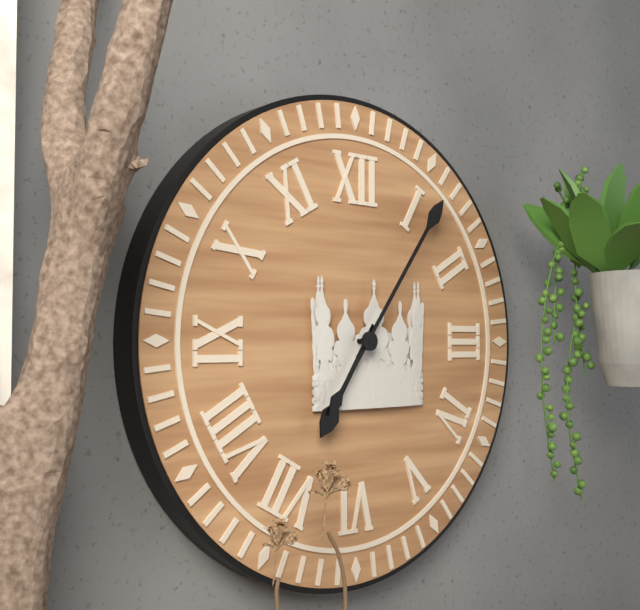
**7:06**
